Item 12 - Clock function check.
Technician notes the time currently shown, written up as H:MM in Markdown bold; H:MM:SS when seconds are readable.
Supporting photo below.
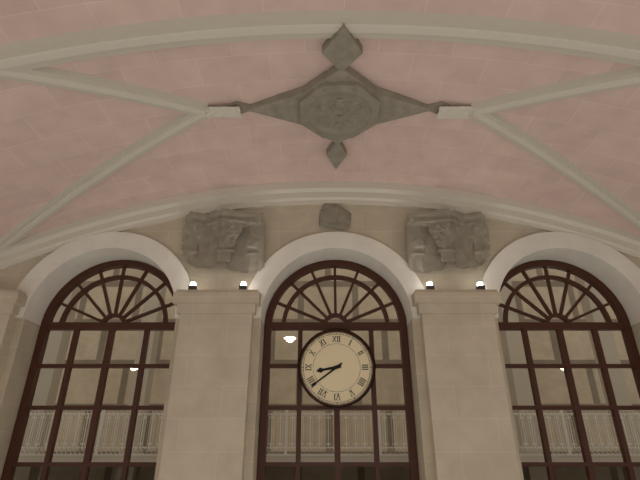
**8:39**
